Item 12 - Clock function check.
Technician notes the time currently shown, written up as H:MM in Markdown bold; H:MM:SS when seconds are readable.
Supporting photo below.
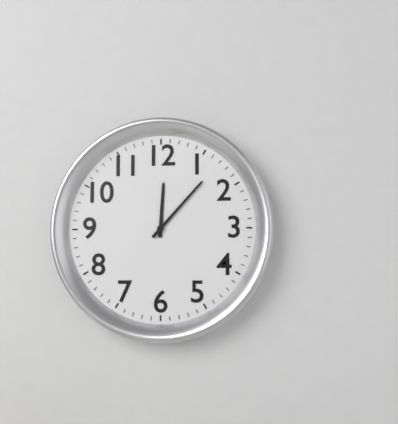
**12:07**
